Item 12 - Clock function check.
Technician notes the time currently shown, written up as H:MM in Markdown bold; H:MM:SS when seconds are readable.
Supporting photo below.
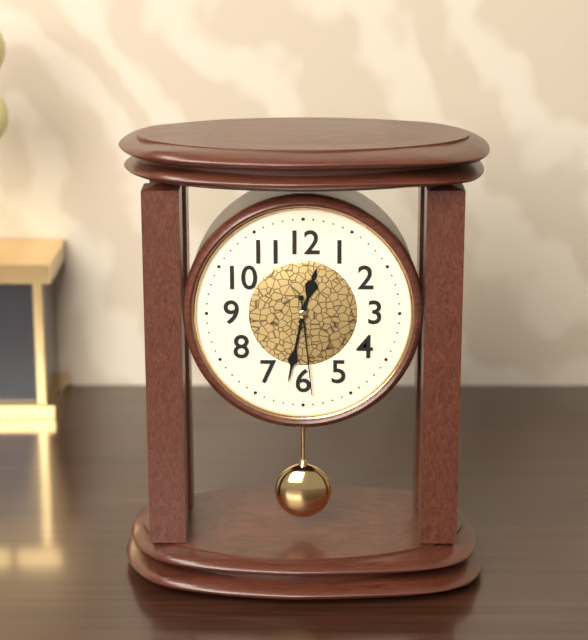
**12:32:29**
